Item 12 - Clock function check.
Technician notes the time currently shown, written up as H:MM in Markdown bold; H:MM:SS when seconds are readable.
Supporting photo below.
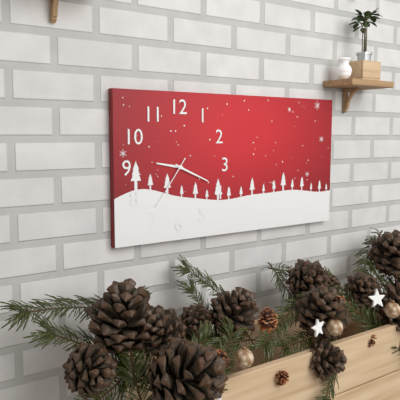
**9:19:36**
